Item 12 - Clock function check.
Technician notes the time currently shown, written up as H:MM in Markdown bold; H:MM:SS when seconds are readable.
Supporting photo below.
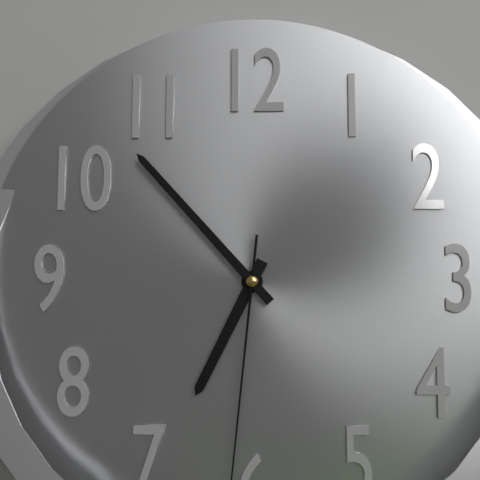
**6:53**
